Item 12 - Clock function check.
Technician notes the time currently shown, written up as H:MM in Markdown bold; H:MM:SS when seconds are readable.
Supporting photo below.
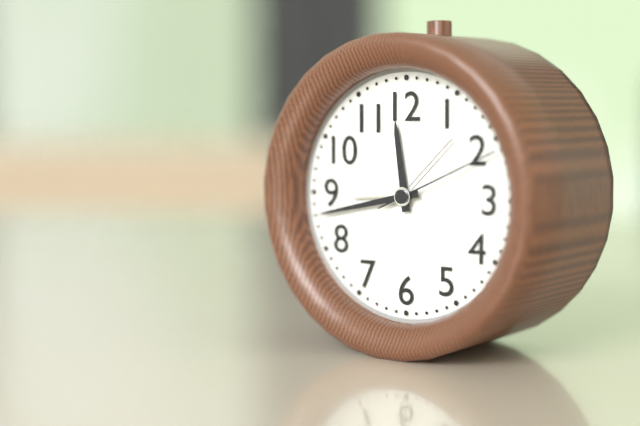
**11:43:11**
